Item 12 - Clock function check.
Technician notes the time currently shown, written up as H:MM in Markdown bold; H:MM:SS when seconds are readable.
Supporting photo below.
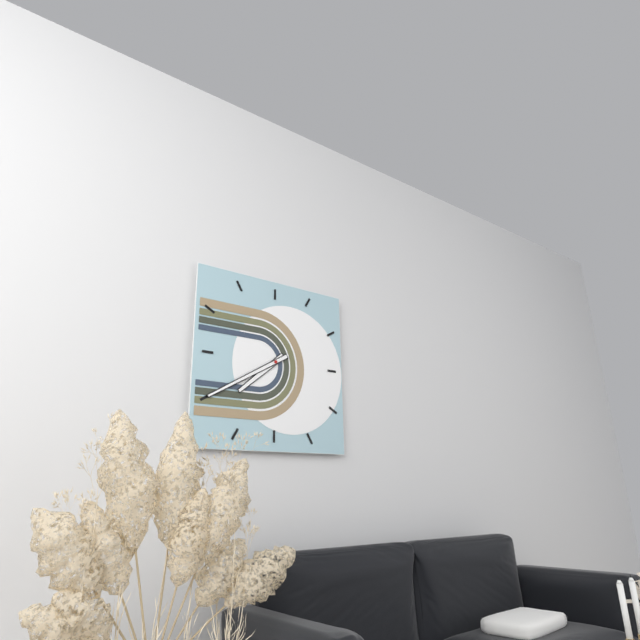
**7:40**
